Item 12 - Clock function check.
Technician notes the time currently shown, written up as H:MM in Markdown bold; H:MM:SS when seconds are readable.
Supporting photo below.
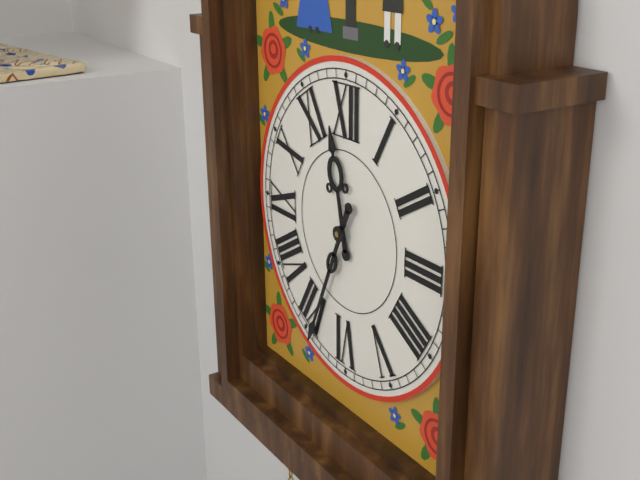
**11:34**
